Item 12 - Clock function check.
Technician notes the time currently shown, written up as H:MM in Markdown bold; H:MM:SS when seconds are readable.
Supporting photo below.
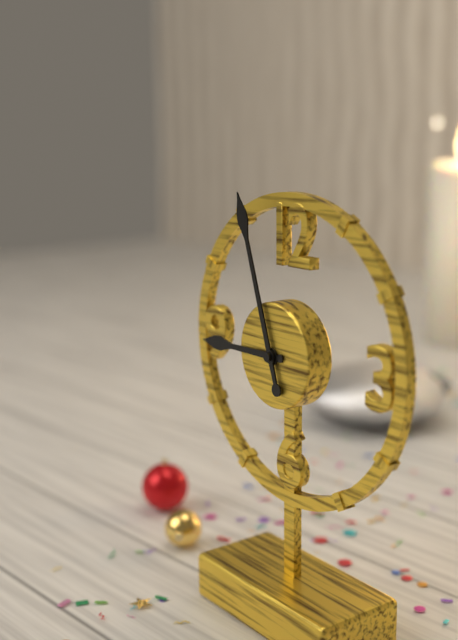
**8:57**
